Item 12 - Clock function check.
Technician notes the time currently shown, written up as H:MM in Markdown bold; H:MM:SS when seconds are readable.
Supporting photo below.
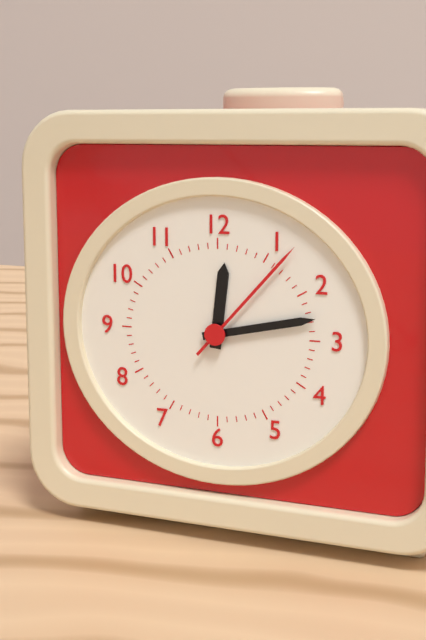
**12:13:07**
